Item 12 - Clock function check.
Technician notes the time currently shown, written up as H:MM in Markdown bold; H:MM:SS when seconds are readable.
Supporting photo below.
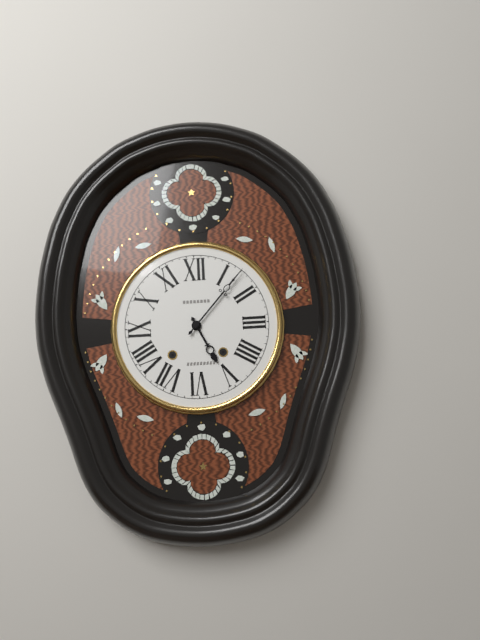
**5:07**
